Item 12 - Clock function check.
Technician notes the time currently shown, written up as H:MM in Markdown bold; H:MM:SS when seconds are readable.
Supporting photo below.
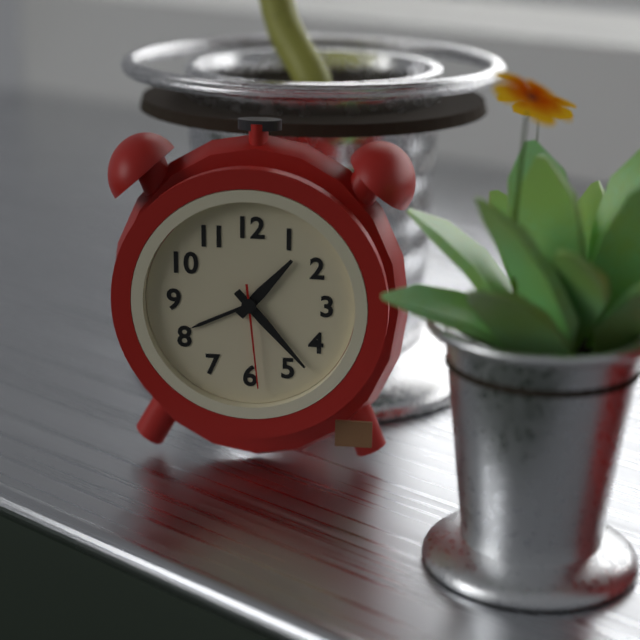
**1:23:29**
